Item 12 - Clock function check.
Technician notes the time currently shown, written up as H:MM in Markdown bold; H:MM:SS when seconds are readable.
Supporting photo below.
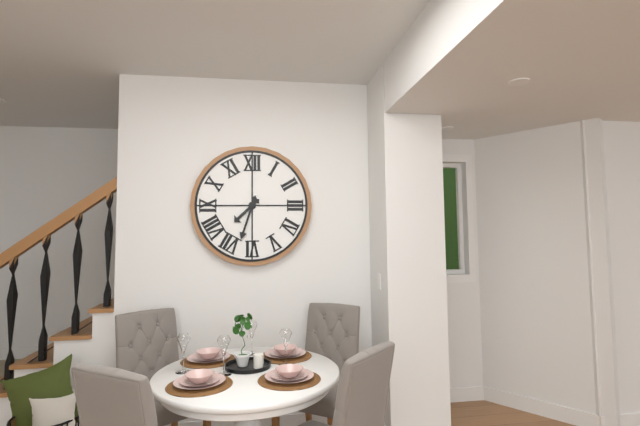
**7:33**
